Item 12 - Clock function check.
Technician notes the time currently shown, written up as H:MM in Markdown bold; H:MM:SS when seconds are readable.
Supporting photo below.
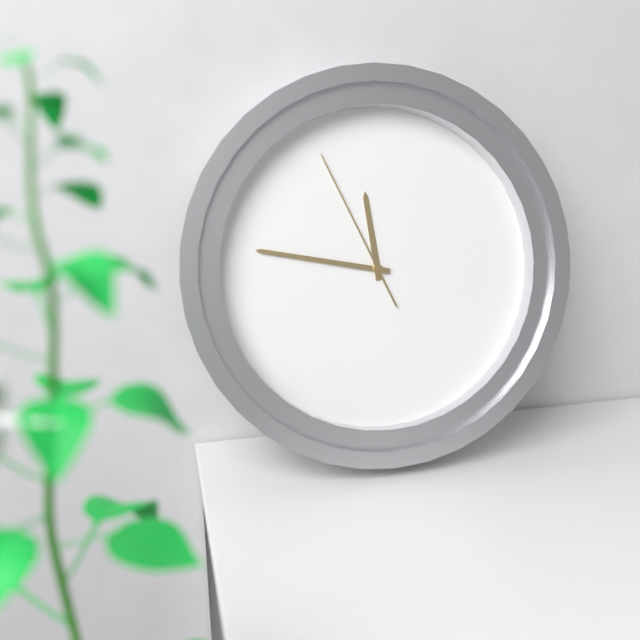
**11:47:56**
